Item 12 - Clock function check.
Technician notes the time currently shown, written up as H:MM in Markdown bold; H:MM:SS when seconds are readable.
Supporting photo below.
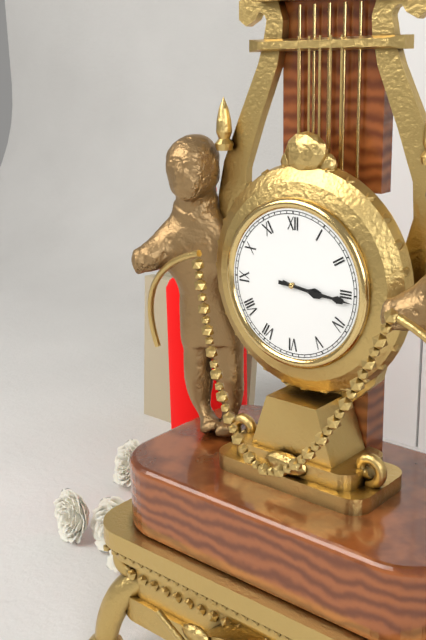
**3:16**
